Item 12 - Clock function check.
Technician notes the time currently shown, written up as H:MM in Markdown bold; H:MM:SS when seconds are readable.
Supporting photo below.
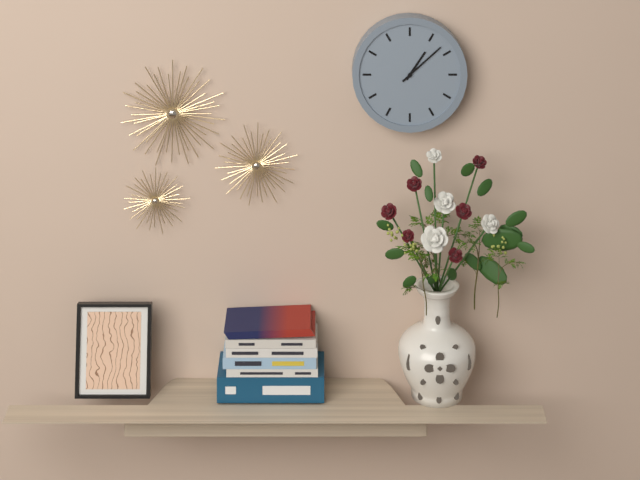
**1:08**
